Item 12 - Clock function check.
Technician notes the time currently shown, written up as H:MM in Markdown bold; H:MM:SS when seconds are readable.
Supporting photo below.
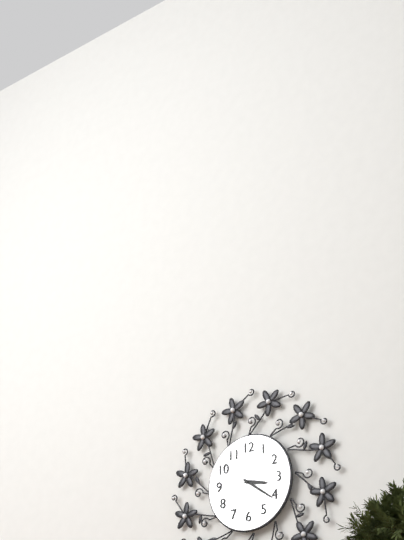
**3:21**
